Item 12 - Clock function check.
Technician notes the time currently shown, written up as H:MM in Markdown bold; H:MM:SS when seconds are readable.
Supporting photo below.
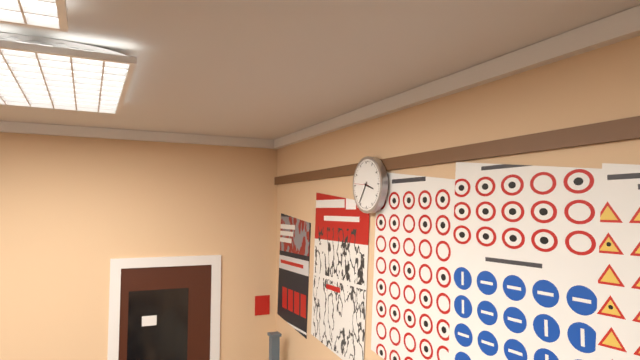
**3:36**
